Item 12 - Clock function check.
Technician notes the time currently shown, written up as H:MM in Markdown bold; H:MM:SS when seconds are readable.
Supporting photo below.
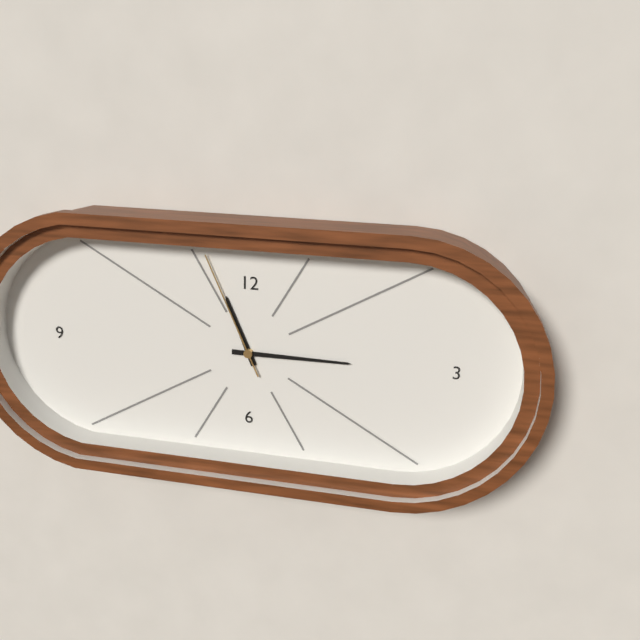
**11:15:56**
